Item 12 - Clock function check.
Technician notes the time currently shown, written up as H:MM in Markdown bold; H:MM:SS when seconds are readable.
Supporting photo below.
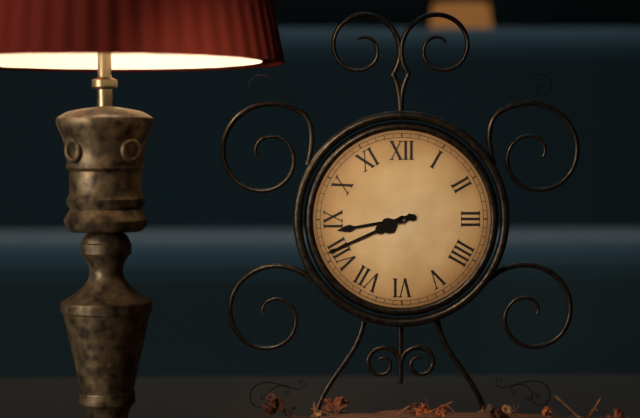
**8:41**
